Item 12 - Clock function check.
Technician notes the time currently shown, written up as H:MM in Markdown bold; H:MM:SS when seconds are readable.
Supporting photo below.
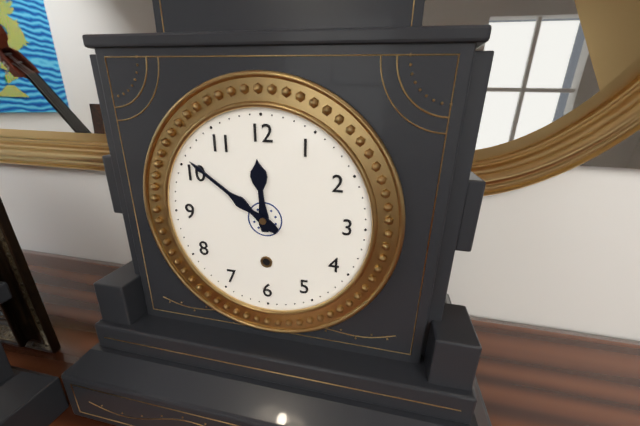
**11:51**
